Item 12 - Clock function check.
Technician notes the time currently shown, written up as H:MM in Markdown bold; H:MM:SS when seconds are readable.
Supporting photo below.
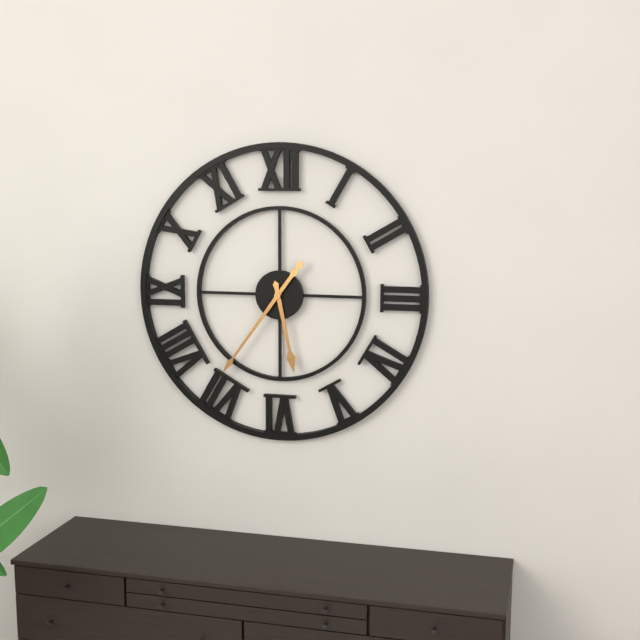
**5:36**
